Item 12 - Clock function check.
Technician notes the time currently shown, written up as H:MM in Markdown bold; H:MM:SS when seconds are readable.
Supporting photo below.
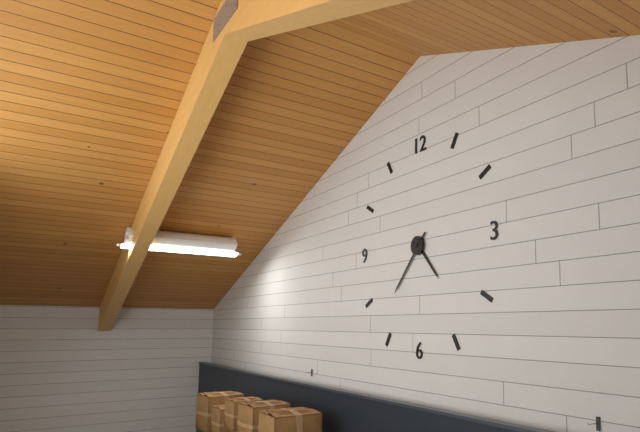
**4:37**
